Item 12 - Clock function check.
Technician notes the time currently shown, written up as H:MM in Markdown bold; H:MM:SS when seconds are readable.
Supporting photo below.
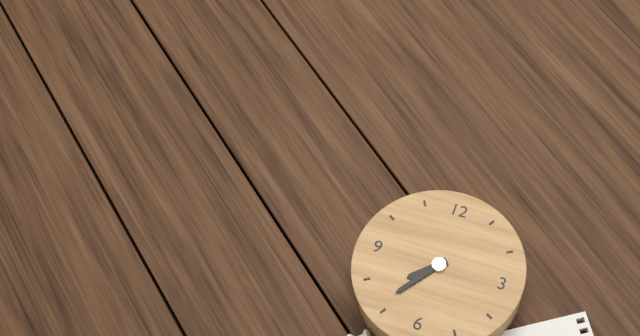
**7:36**
